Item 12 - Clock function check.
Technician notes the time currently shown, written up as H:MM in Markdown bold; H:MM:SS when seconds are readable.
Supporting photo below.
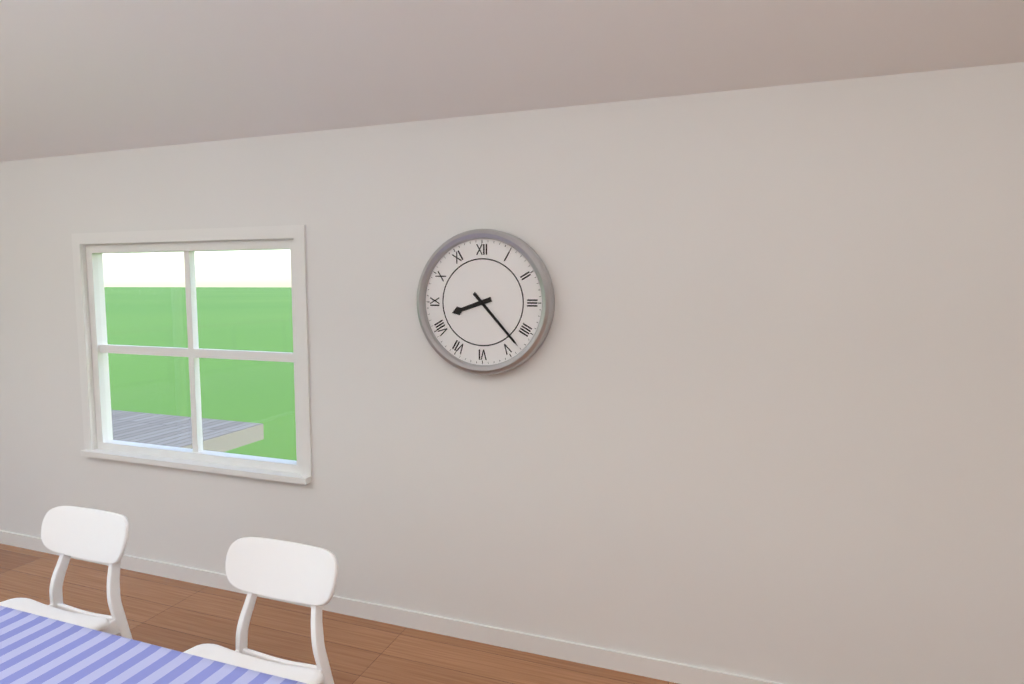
**8:23**
